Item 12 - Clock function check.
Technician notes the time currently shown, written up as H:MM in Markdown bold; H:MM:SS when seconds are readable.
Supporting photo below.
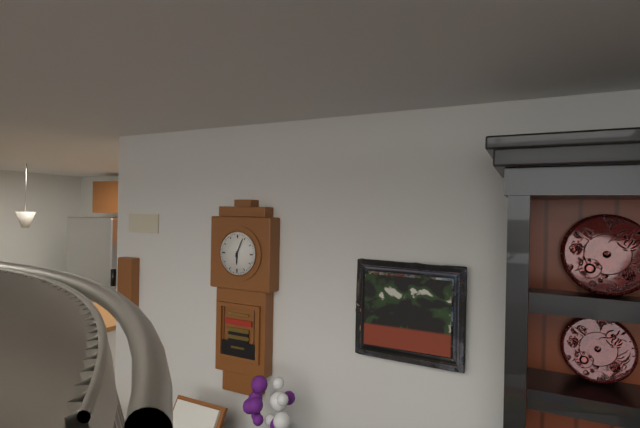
**6:04**
